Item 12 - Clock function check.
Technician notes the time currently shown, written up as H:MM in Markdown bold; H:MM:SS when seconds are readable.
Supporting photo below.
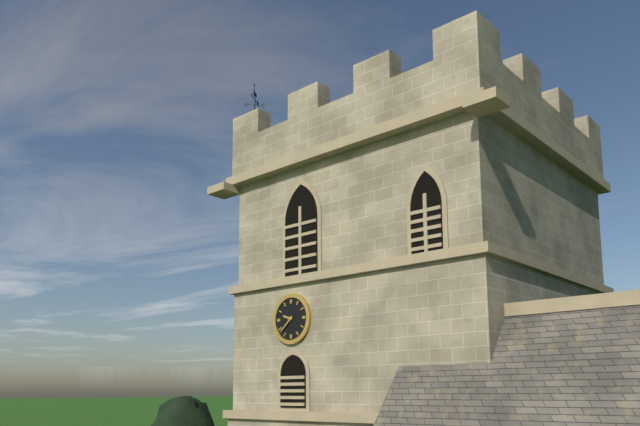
**9:38**
